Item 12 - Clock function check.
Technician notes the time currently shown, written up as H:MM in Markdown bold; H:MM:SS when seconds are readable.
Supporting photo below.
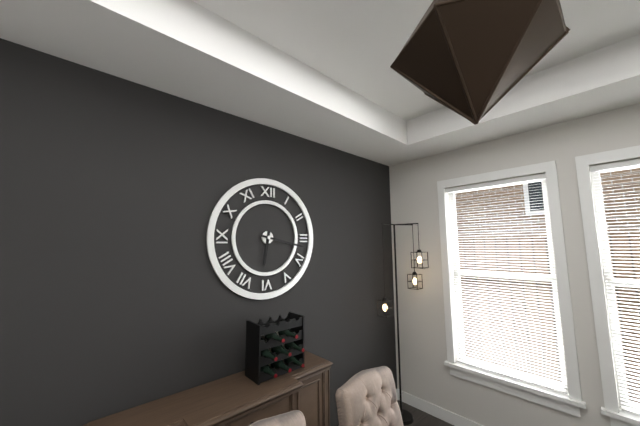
**6:17**
